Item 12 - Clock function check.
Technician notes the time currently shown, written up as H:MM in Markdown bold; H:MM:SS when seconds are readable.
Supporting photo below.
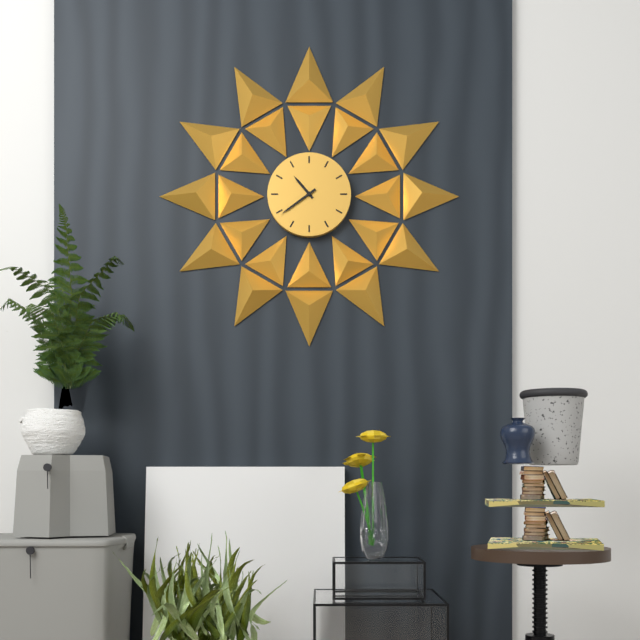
**10:39**
